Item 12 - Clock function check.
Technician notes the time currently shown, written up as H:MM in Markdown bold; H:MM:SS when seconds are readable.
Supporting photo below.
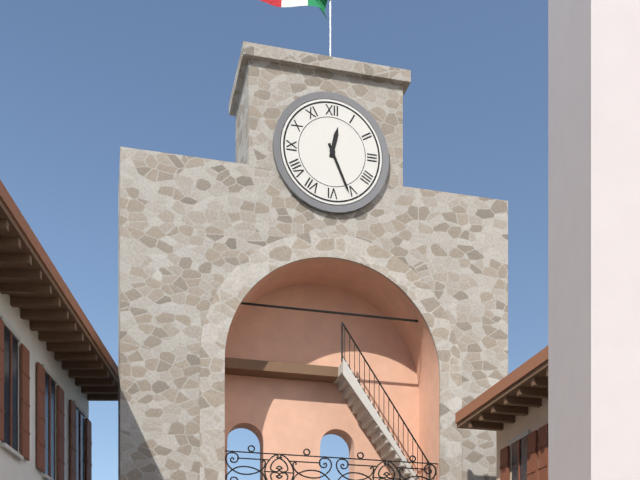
**12:26**
